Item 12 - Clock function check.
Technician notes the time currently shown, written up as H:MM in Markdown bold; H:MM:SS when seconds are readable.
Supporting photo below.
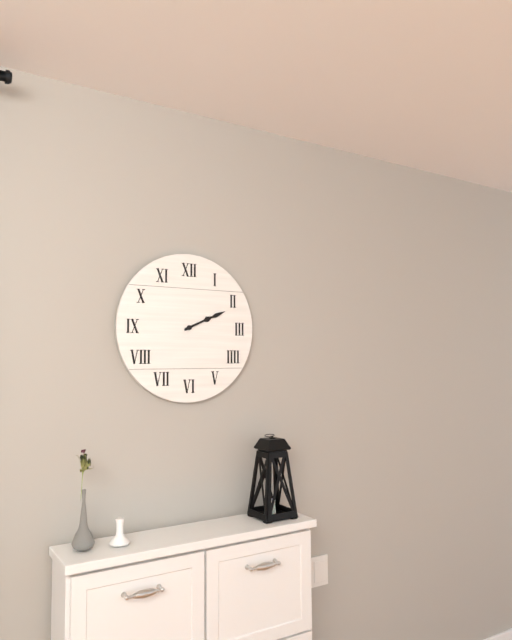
**2:11**
